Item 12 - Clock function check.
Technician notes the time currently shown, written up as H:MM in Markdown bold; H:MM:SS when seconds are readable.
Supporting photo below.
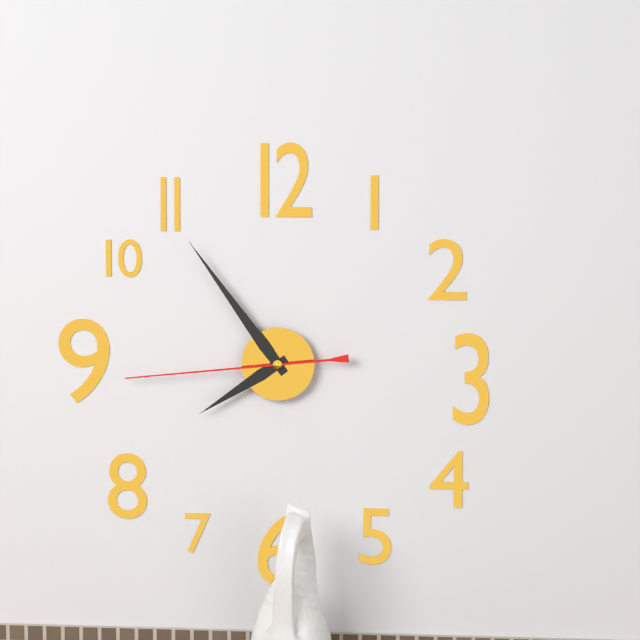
**7:54:44**
